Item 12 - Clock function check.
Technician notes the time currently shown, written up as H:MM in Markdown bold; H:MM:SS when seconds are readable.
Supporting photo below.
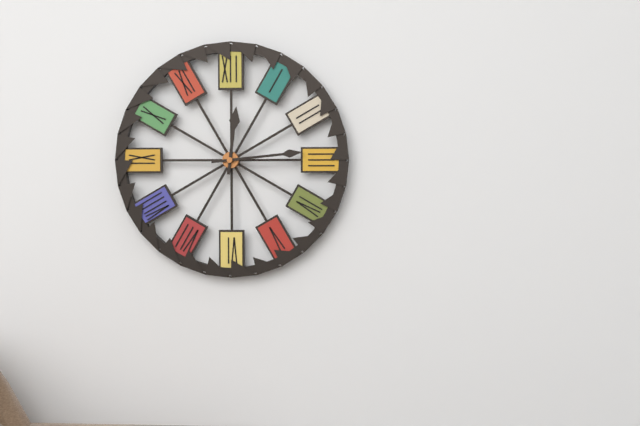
**12:14**
